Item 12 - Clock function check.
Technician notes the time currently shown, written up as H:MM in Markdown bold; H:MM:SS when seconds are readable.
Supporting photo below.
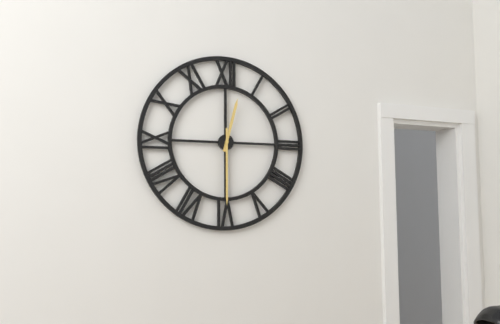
**12:30**
